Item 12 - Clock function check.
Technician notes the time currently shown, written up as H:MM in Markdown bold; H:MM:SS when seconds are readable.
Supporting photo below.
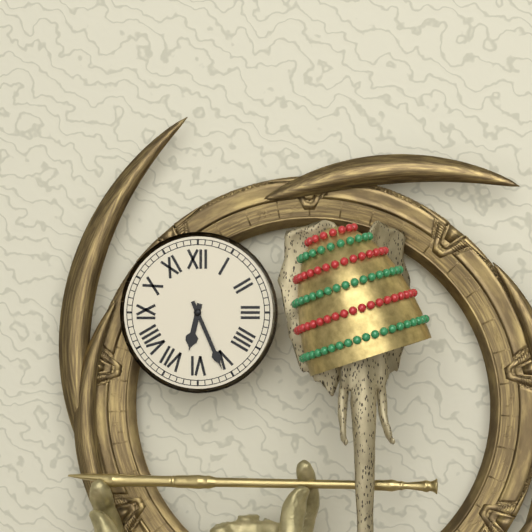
**6:26**
